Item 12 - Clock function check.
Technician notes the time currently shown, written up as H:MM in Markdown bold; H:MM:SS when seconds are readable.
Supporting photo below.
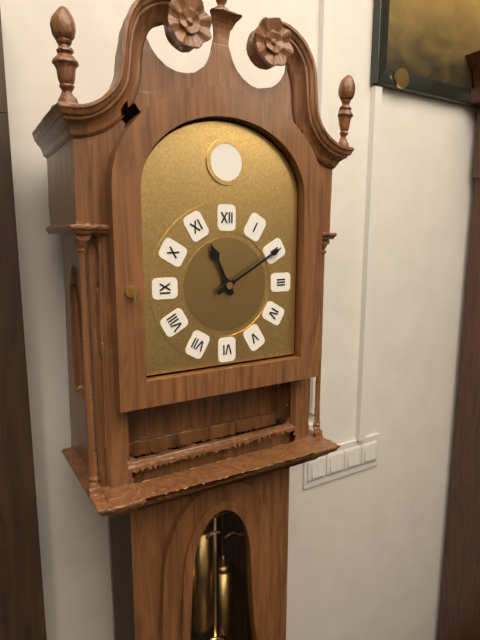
**11:10**
